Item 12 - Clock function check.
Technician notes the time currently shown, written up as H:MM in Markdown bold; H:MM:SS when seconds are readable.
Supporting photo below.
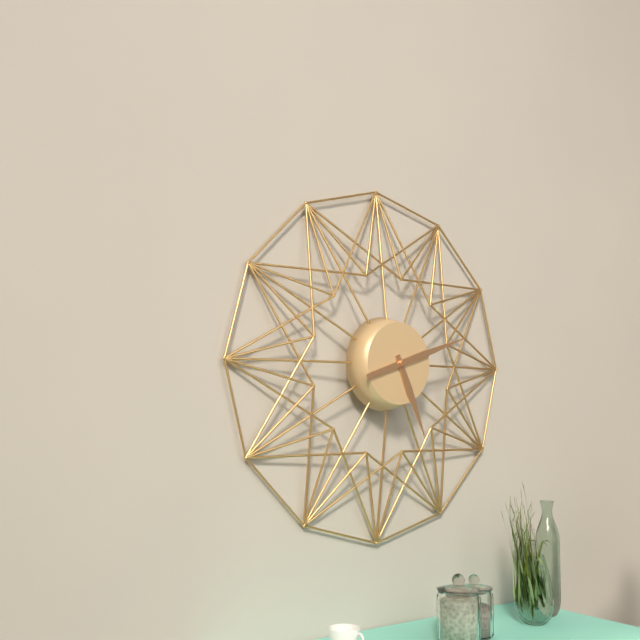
**5:12**
